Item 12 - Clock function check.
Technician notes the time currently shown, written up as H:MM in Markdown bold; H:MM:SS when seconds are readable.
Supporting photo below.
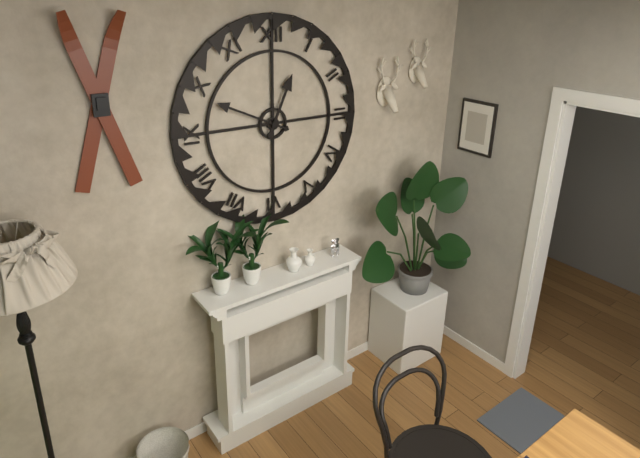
**12:49**
